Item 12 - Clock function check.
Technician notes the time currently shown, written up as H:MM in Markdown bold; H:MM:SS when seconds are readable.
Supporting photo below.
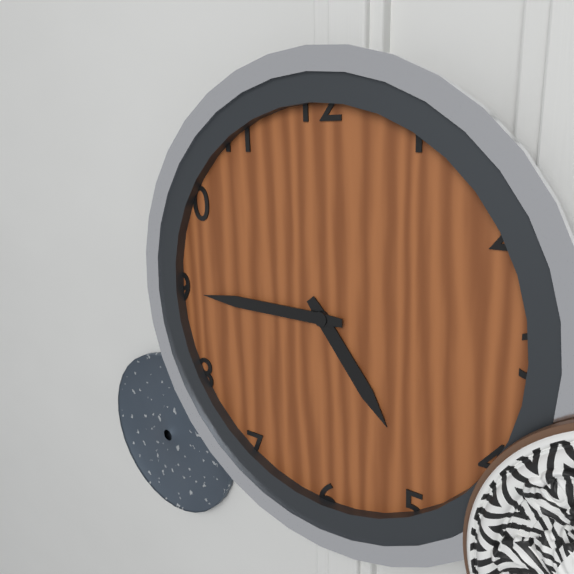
**4:45**
